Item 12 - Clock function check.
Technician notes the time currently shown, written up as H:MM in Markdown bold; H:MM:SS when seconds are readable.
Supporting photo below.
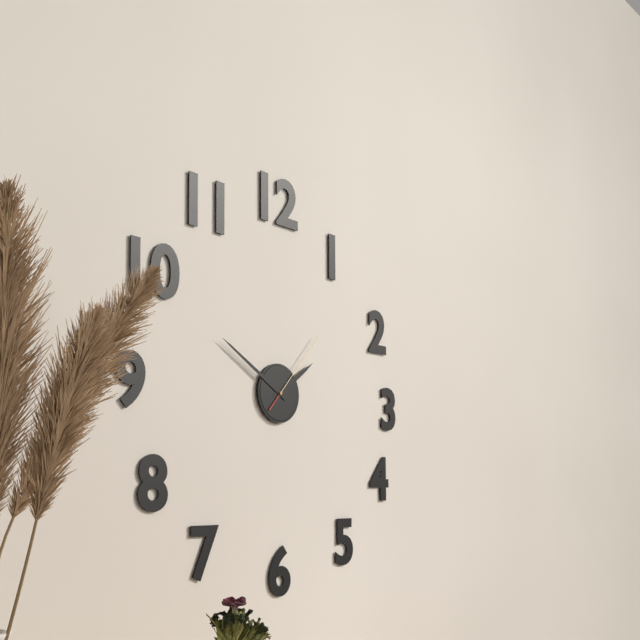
**1:50:07**
